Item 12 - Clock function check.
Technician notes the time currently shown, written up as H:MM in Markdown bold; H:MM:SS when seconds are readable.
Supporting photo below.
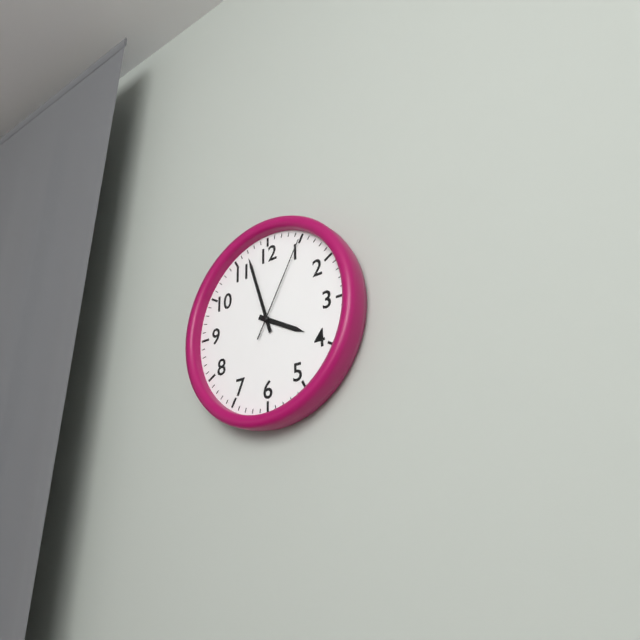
**3:57:05**
